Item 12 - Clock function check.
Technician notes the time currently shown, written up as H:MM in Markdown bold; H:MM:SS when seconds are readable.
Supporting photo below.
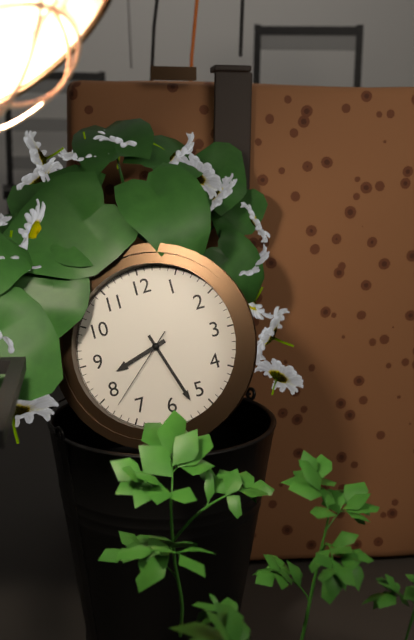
**8:27:38**
